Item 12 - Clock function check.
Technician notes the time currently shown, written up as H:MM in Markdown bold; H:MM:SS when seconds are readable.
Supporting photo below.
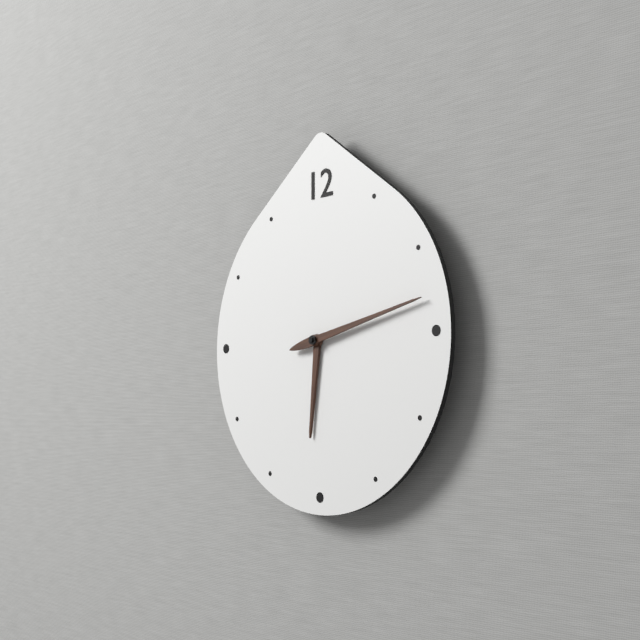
**6:13**
